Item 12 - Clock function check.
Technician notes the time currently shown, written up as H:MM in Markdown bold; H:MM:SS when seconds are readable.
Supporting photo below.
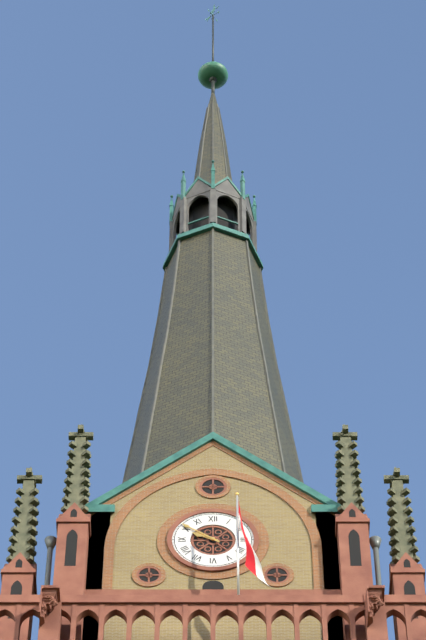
**9:51**
